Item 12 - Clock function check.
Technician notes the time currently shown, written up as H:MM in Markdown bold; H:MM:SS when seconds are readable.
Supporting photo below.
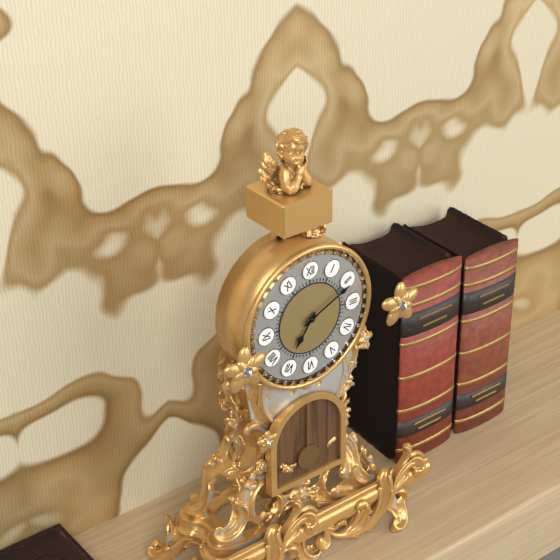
**7:11**
